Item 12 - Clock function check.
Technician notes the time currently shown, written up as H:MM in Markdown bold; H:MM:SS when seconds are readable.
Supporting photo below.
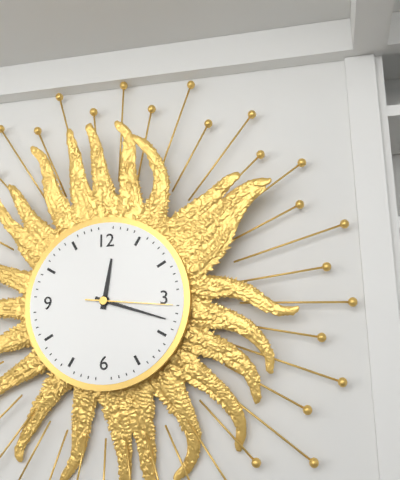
**12:18:16**
